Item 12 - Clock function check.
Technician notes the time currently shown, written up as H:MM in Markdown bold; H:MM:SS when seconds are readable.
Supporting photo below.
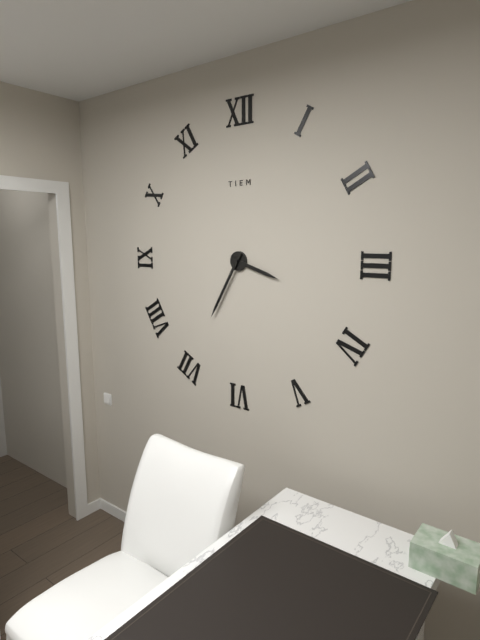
**3:35**
